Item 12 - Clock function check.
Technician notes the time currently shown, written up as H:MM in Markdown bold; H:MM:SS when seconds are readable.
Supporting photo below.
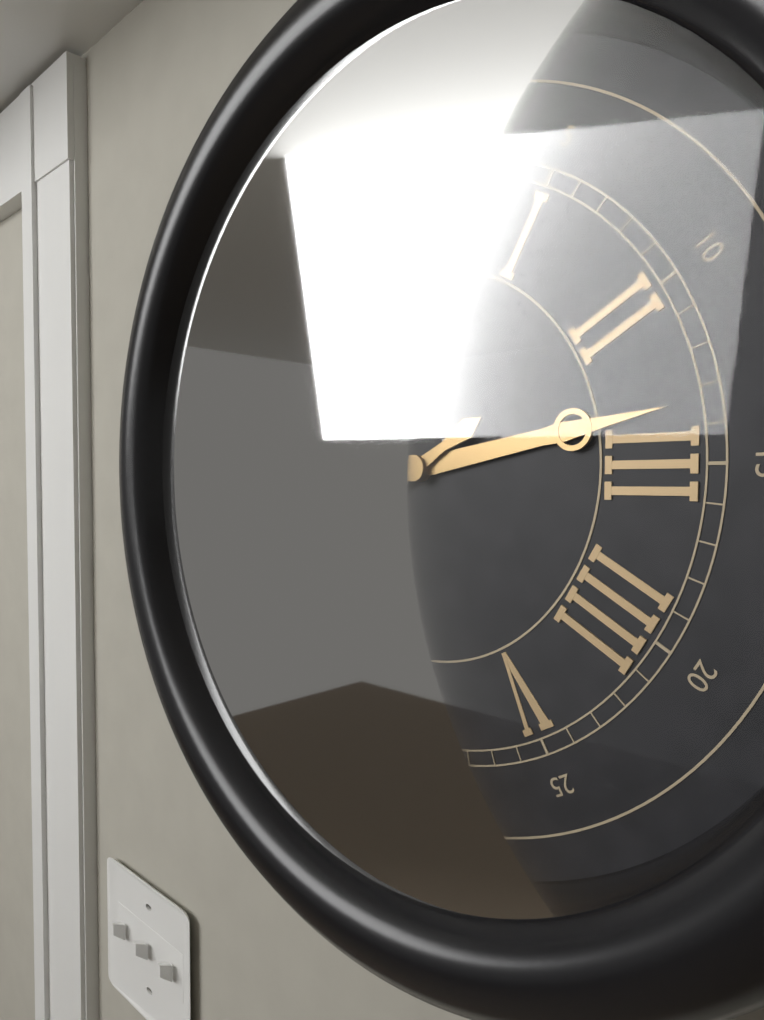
**2:40**
